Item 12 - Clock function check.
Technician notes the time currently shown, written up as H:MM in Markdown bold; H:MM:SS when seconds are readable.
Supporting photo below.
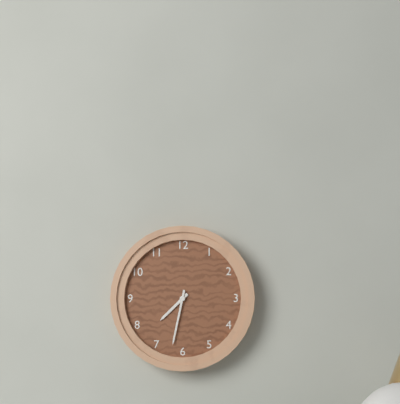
**7:32**
